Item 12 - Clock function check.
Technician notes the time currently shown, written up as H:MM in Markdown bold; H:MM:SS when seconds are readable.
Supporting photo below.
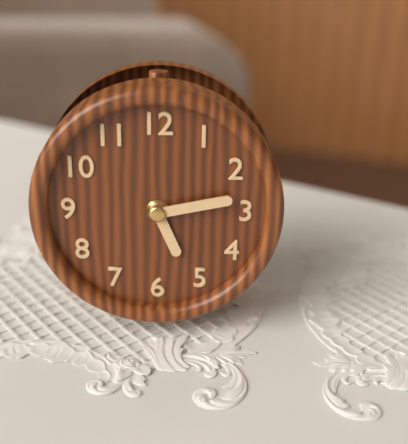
**5:13**
